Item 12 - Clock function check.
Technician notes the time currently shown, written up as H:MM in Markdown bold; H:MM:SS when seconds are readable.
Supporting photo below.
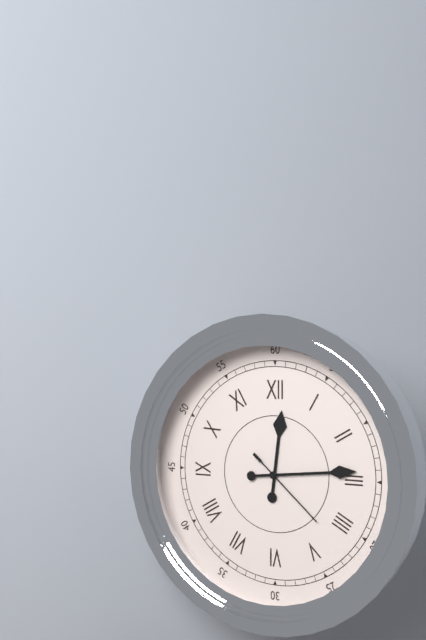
**12:14:22**
